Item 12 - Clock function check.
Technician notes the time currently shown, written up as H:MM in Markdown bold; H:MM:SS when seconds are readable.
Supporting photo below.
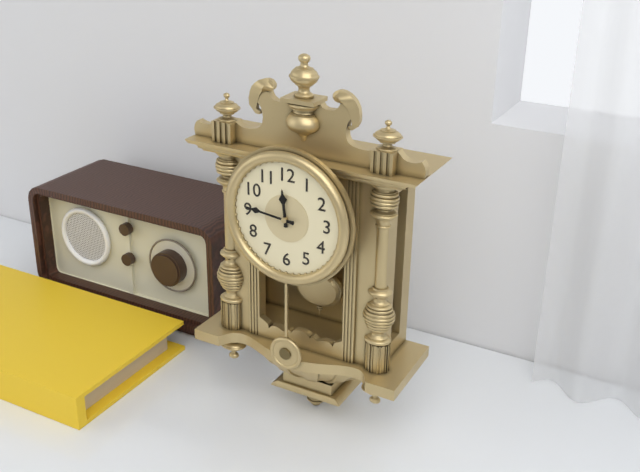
**11:46**
